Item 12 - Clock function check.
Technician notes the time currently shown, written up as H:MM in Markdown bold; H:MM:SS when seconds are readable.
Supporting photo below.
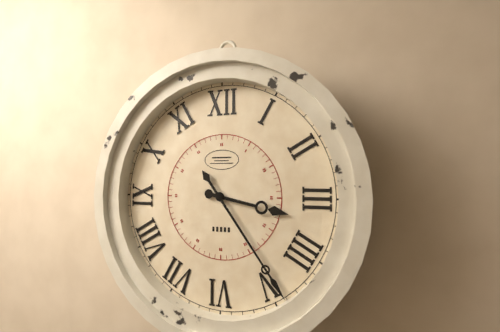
**3:24**
